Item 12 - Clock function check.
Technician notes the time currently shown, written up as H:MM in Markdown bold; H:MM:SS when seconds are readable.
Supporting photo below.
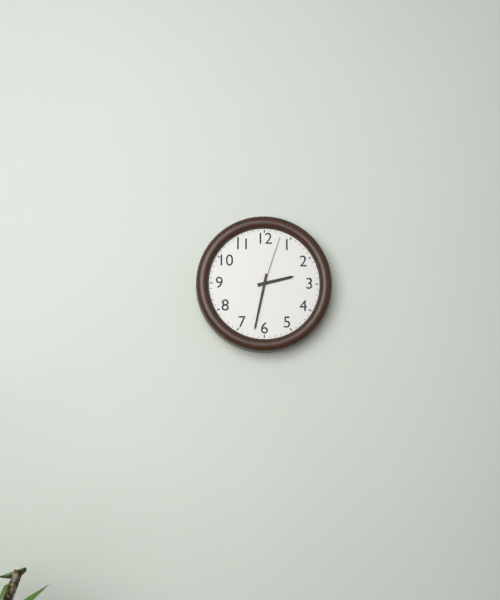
**2:32:03**
